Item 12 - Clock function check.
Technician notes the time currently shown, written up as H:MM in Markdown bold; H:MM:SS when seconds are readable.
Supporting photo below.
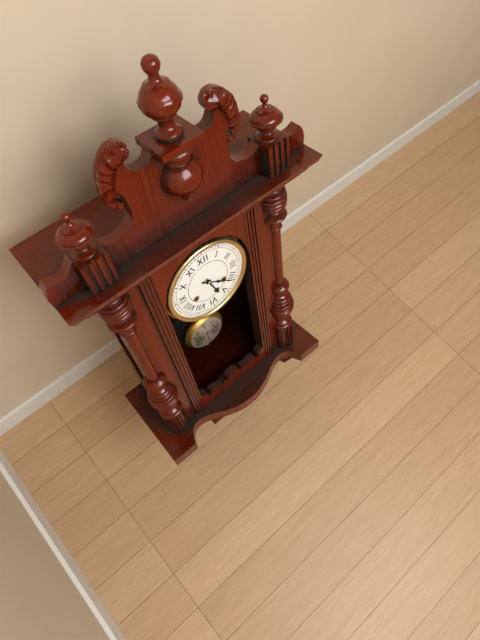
**5:21**
